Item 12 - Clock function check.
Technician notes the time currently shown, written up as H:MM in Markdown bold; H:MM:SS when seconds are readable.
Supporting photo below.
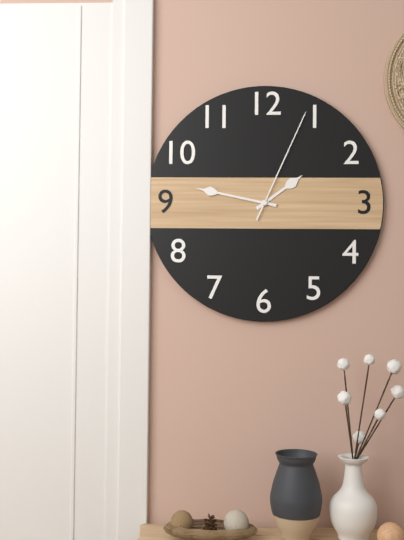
**1:47:04**
